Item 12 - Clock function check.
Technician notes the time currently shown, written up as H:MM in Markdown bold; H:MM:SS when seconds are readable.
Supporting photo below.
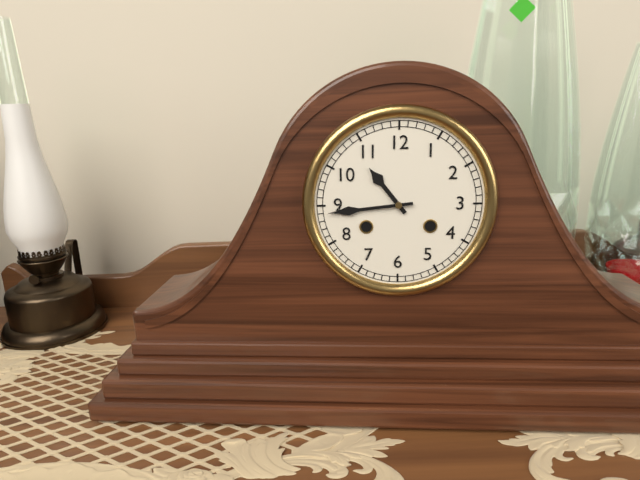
**10:44**
